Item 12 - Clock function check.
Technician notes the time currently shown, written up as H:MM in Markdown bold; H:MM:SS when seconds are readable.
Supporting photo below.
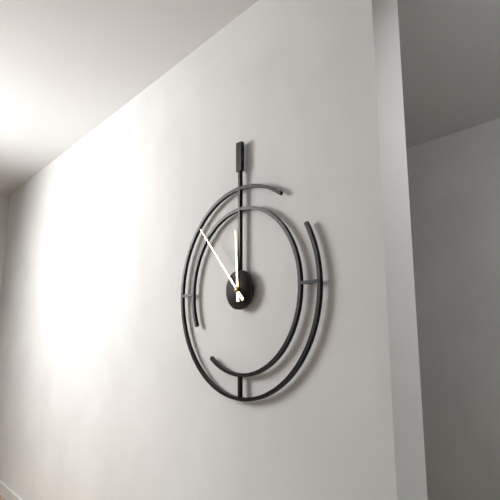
**11:53**
